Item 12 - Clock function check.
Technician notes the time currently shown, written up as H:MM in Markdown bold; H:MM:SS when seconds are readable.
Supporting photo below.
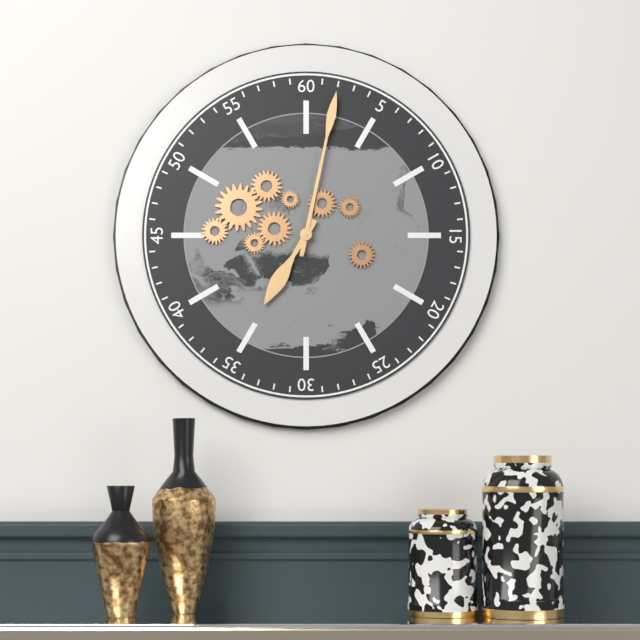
**7:02**
